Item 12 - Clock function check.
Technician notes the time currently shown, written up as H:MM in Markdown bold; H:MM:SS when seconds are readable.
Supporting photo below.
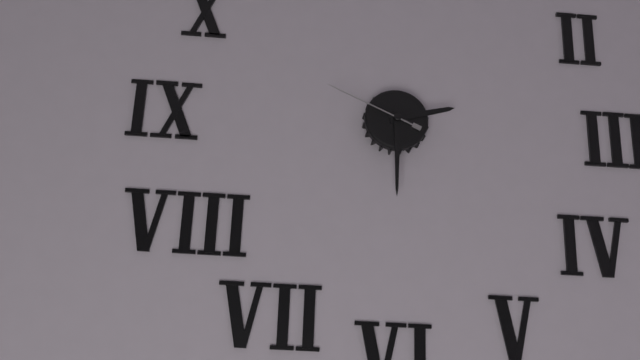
**2:30:49**
